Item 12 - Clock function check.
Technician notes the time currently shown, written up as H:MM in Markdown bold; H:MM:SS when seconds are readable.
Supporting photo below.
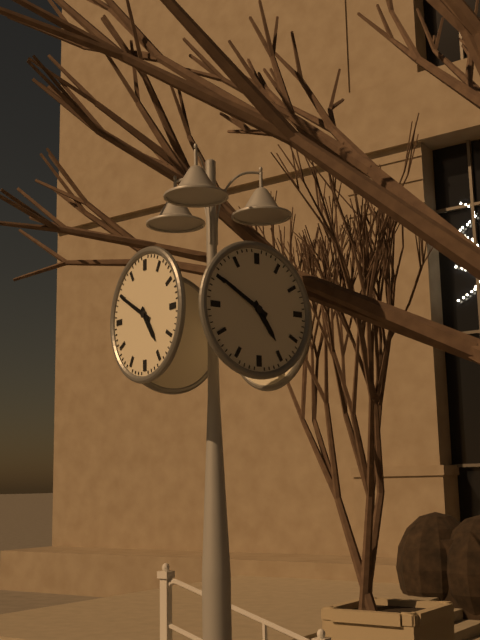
**4:50**
